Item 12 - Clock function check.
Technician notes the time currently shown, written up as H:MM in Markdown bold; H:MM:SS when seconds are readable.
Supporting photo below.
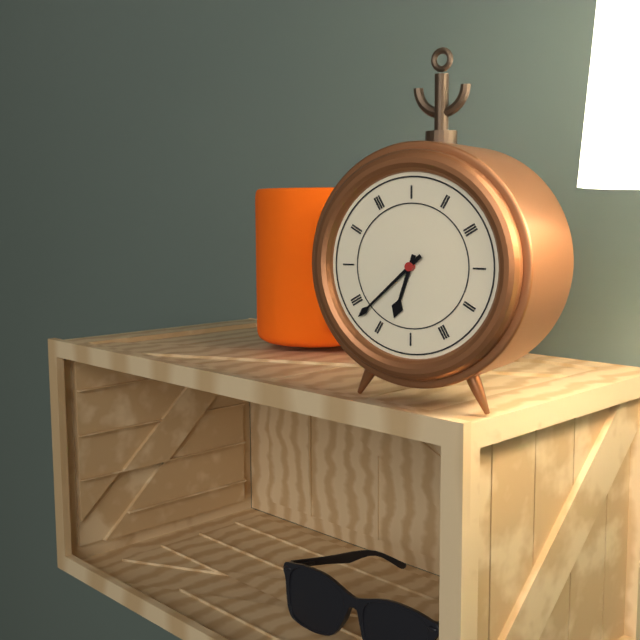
**6:38**
